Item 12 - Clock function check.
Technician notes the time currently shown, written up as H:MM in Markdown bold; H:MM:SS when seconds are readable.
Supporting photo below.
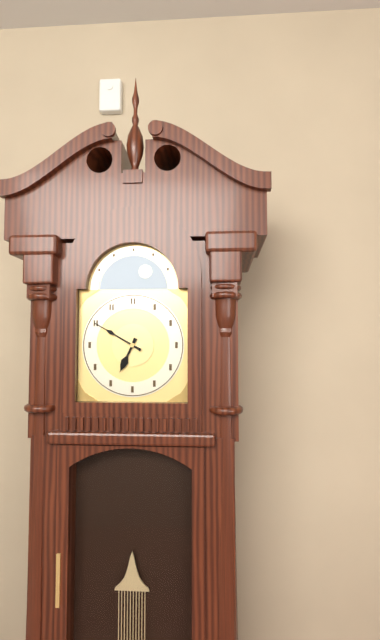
**6:50**
